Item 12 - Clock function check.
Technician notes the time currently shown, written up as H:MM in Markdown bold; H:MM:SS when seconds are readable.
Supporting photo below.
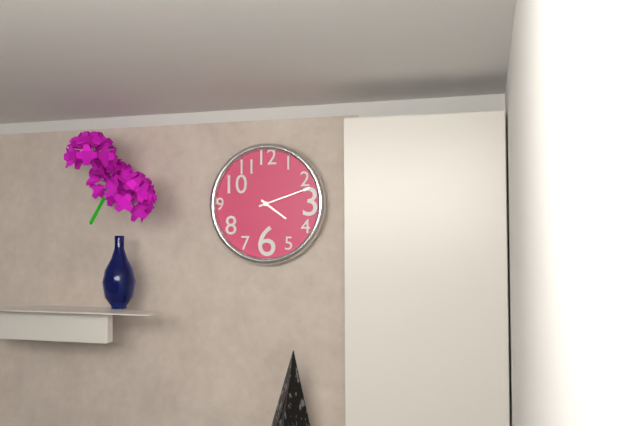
**4:12**
